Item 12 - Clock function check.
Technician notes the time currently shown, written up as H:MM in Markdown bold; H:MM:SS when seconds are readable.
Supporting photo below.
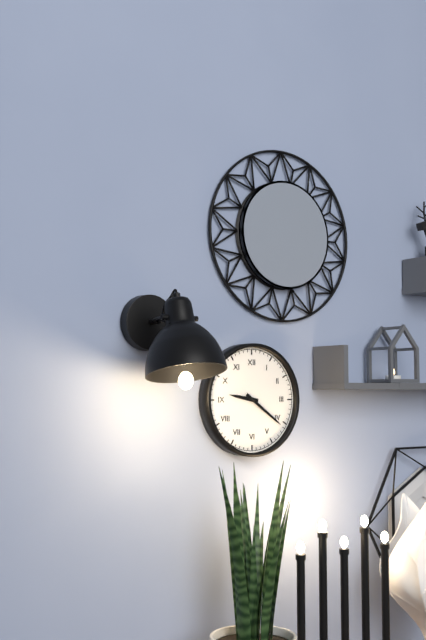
**9:21**
